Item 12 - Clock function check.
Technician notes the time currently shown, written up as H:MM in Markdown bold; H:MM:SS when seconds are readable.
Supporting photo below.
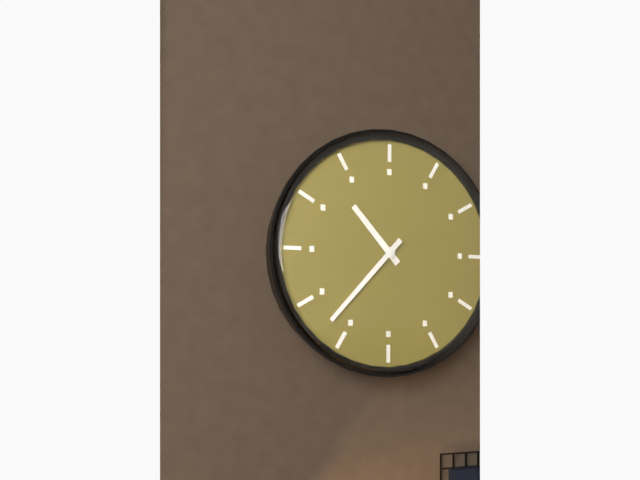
**10:37**
